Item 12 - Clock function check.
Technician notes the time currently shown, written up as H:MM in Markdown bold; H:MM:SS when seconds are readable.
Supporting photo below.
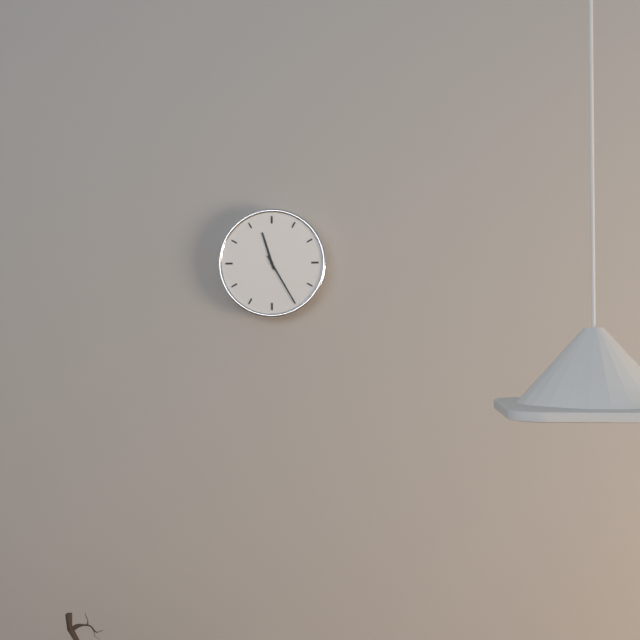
**11:25**
